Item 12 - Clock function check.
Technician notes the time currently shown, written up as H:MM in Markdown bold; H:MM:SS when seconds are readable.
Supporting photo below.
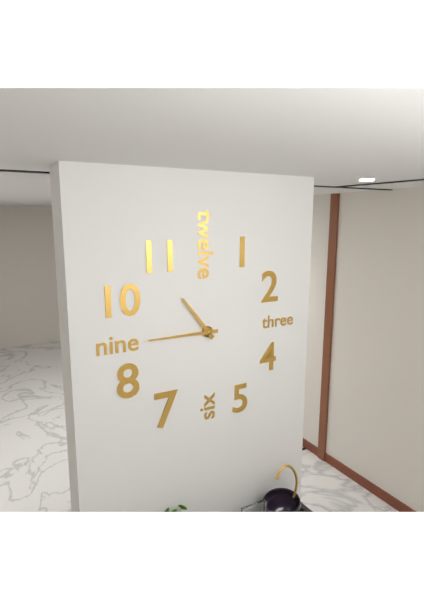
**10:45**
